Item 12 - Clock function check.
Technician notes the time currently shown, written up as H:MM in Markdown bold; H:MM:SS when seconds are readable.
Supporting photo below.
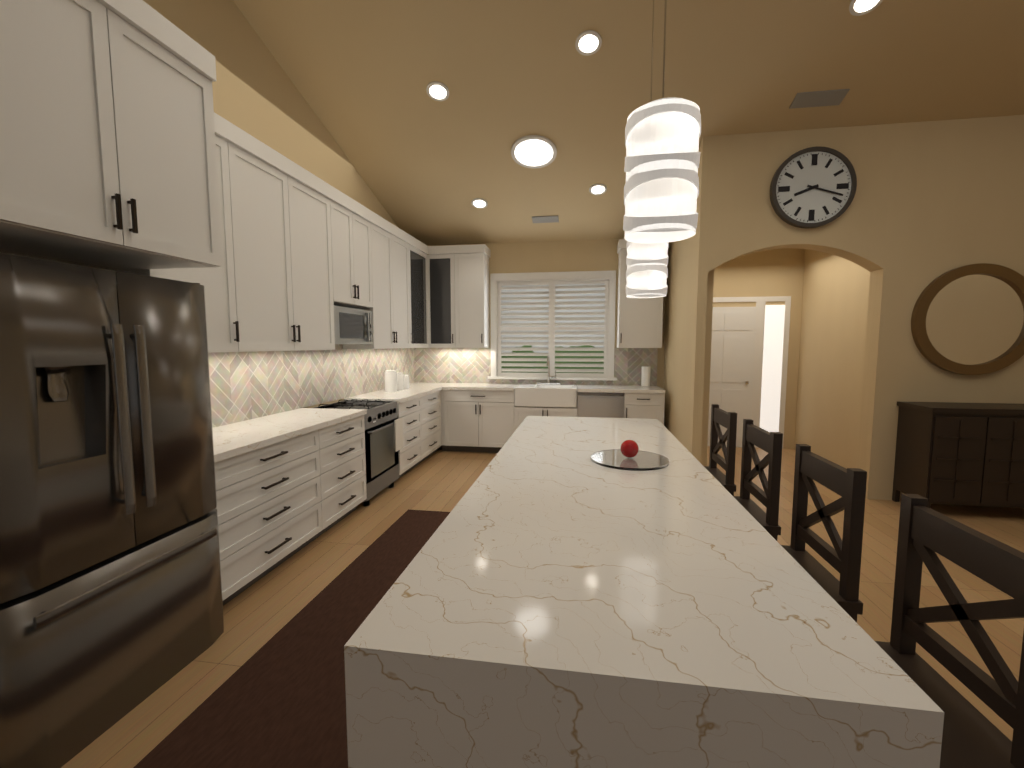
**8:18**
